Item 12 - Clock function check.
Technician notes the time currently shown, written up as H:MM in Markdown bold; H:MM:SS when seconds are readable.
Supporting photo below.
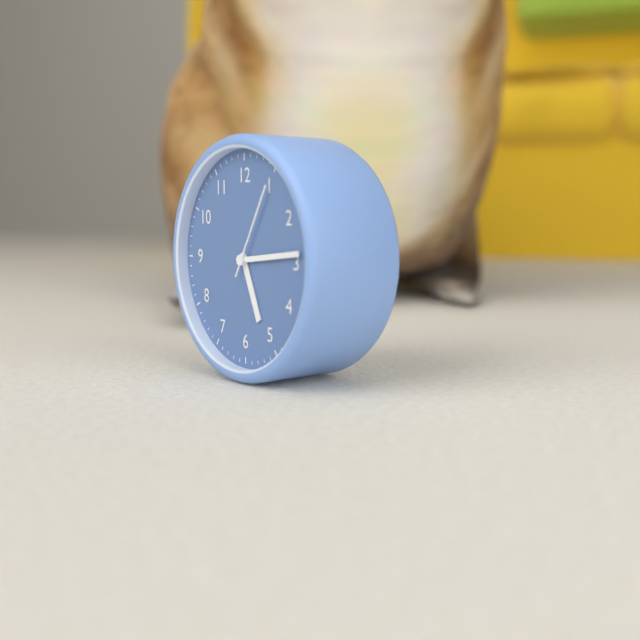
**5:14:05**
